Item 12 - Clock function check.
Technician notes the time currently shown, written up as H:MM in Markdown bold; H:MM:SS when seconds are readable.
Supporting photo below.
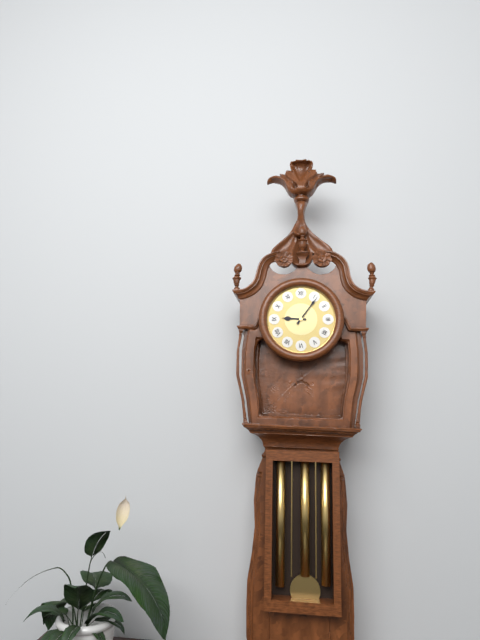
**9:06**
